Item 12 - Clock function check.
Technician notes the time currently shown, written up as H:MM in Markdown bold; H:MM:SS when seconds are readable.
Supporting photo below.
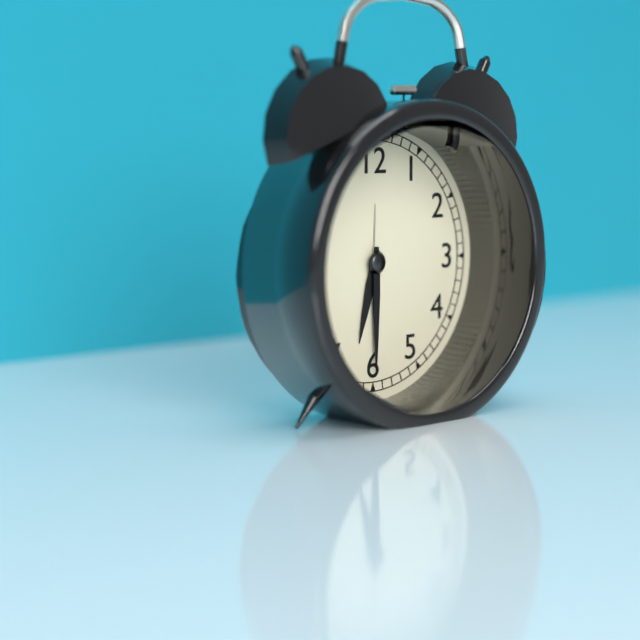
**6:30**
